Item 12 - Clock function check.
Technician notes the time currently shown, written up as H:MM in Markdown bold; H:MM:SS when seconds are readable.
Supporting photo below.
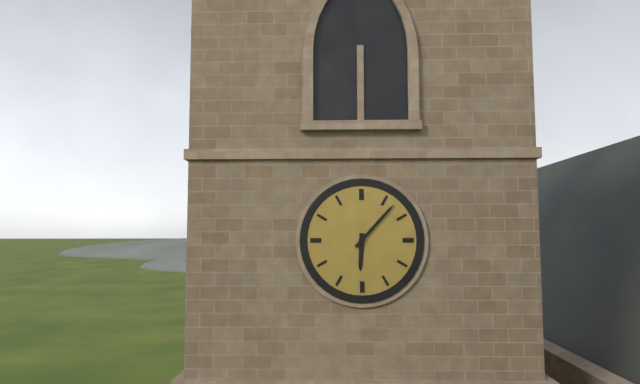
**6:07**
